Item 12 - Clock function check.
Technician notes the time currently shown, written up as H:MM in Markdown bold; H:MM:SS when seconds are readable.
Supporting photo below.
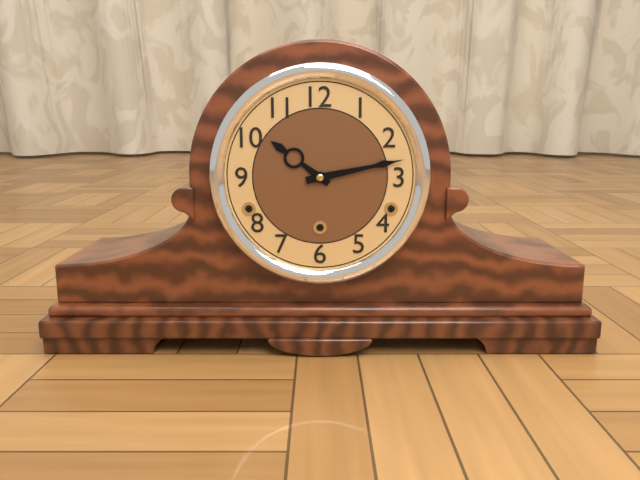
**10:13**
